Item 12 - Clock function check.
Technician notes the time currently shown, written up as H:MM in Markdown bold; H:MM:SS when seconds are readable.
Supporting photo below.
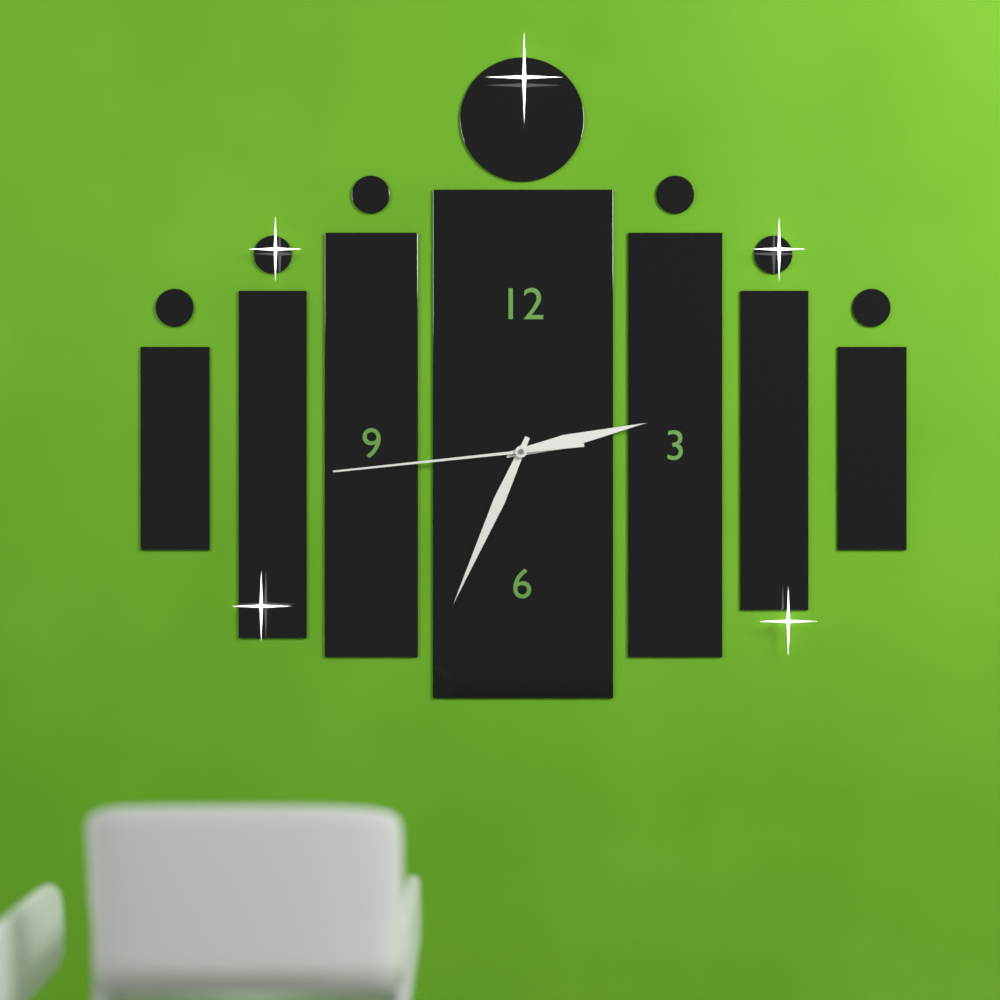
**2:34:44**
